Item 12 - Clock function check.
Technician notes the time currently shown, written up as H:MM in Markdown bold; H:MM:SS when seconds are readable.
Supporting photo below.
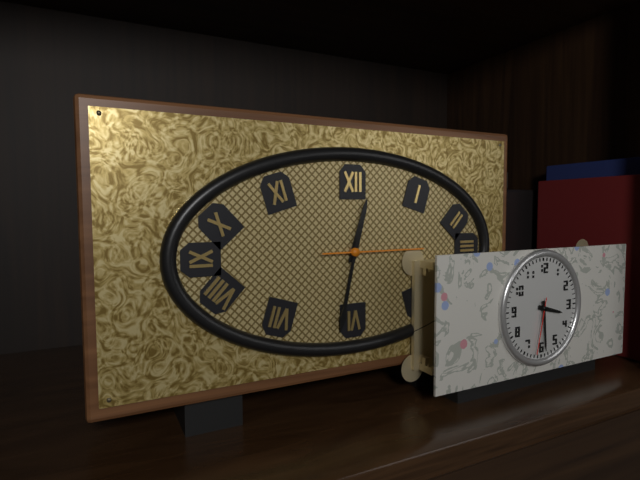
**12:32:15**
